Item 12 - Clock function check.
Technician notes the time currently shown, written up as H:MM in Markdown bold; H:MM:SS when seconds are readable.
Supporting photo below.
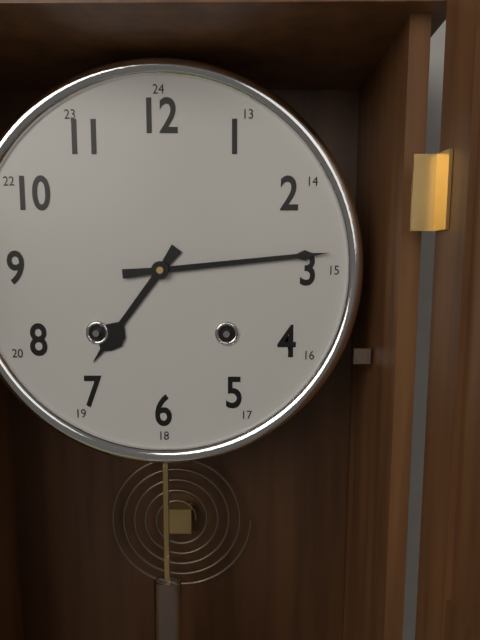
**7:14**
